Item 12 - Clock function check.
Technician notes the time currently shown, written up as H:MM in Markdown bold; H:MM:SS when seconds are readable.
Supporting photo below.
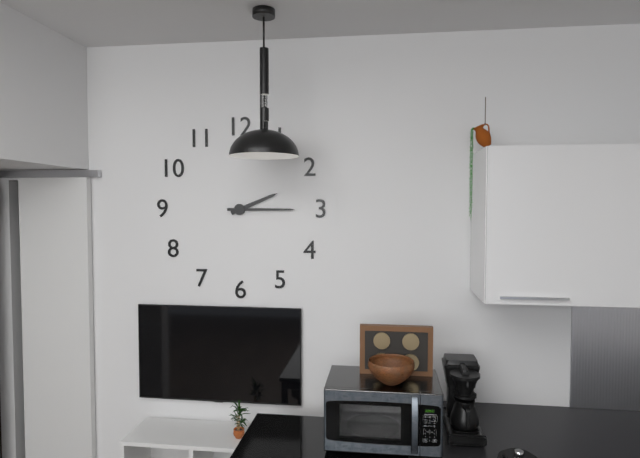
**2:15**
